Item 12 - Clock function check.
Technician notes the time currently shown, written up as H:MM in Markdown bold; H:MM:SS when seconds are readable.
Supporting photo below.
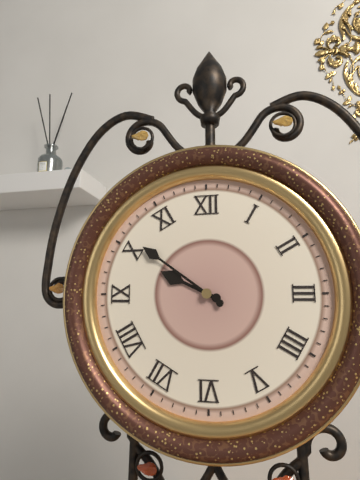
**9:51**
